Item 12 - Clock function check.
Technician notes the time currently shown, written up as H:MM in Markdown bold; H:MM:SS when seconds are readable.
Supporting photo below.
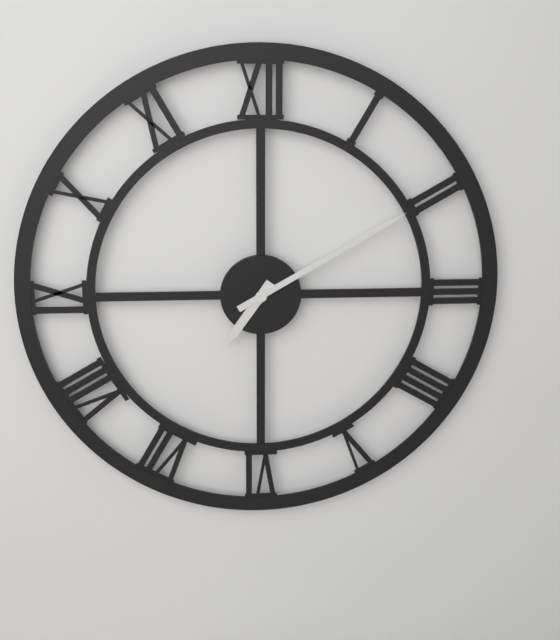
**7:10**
